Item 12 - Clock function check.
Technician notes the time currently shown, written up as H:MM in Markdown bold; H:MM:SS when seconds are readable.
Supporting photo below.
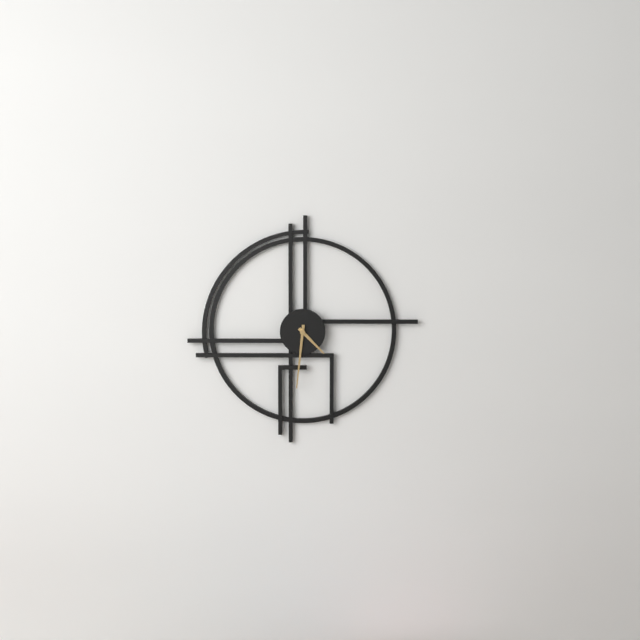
**4:31**
